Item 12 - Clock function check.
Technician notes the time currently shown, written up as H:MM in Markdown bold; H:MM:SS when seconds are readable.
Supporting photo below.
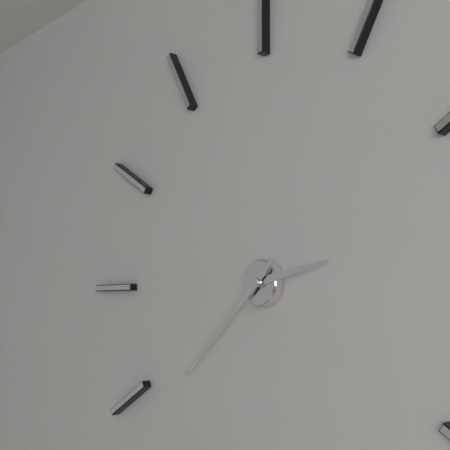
**2:38**
